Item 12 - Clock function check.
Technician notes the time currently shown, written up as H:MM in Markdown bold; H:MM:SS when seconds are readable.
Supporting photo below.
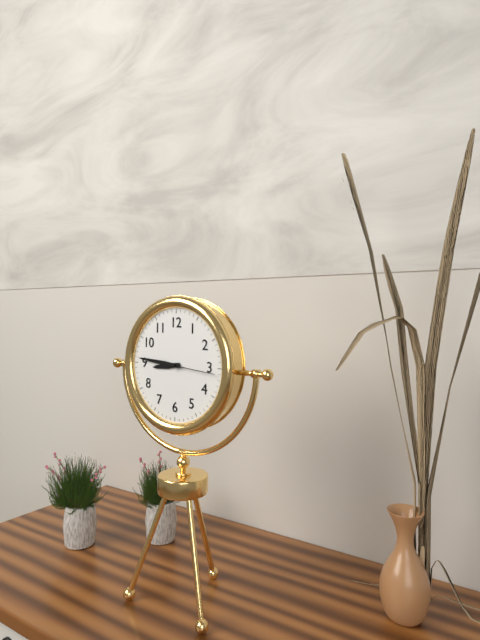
**8:46:16**
